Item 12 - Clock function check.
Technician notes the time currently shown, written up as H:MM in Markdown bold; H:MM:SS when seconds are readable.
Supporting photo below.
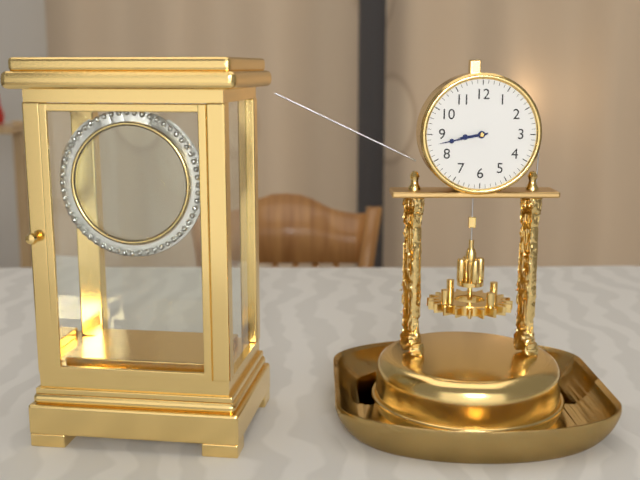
**8:43**
